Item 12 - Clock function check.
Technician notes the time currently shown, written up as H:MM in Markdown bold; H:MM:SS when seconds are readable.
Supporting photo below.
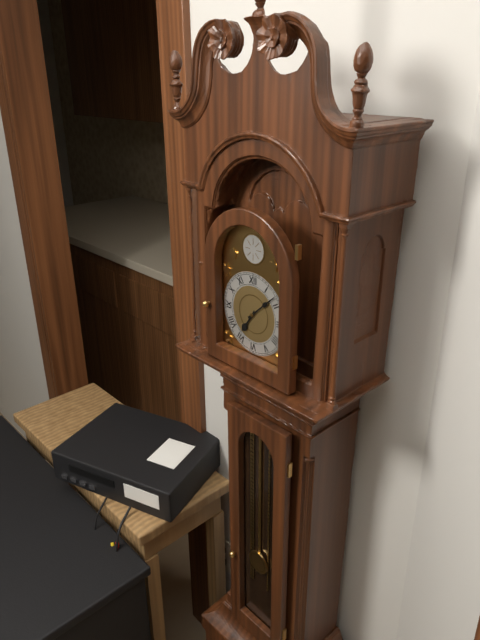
**7:08**
